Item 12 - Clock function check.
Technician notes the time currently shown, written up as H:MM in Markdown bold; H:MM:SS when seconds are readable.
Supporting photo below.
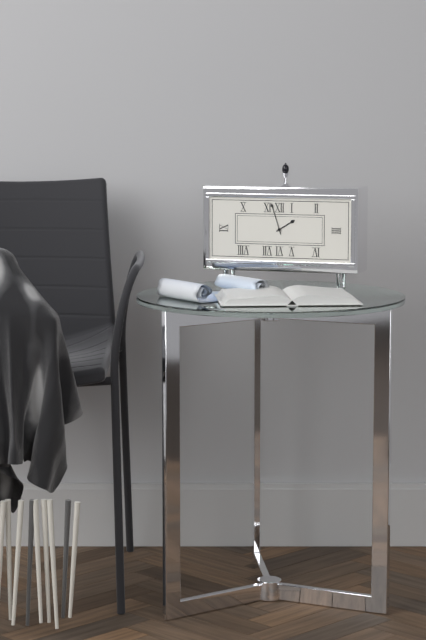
**1:57**
